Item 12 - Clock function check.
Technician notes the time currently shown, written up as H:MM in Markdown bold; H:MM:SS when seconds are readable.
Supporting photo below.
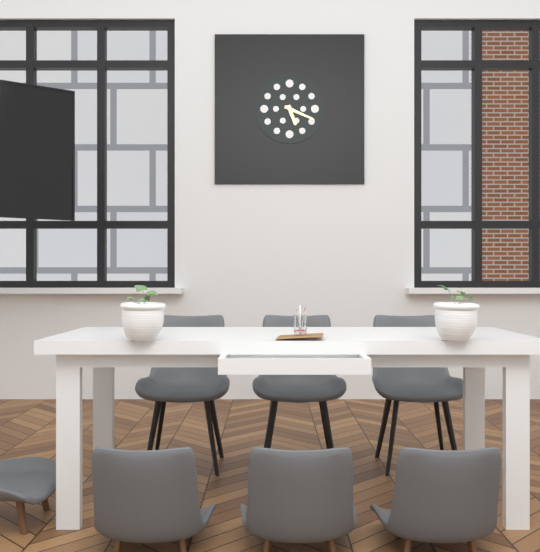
**5:19**
